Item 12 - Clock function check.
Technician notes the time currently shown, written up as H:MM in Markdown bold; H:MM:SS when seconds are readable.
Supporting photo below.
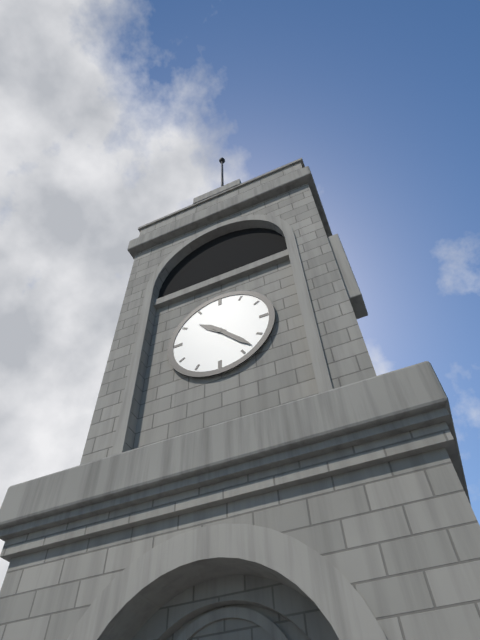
**10:23**
